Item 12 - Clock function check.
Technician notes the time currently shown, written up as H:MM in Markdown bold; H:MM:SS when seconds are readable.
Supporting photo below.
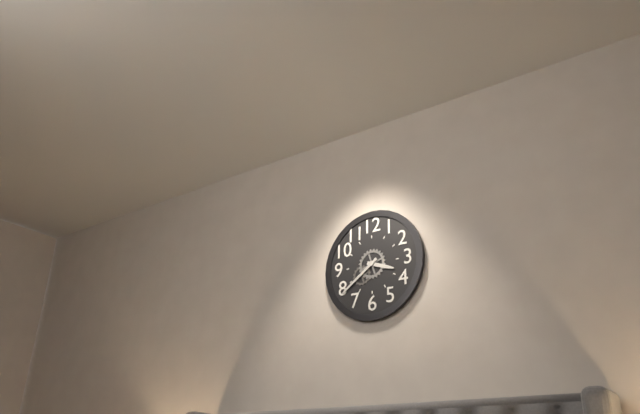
**3:39**
